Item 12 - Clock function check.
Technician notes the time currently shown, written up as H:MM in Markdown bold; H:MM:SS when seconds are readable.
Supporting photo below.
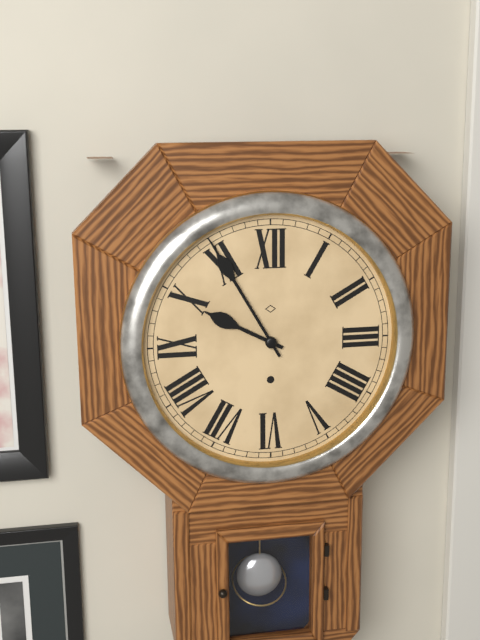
**9:55**
